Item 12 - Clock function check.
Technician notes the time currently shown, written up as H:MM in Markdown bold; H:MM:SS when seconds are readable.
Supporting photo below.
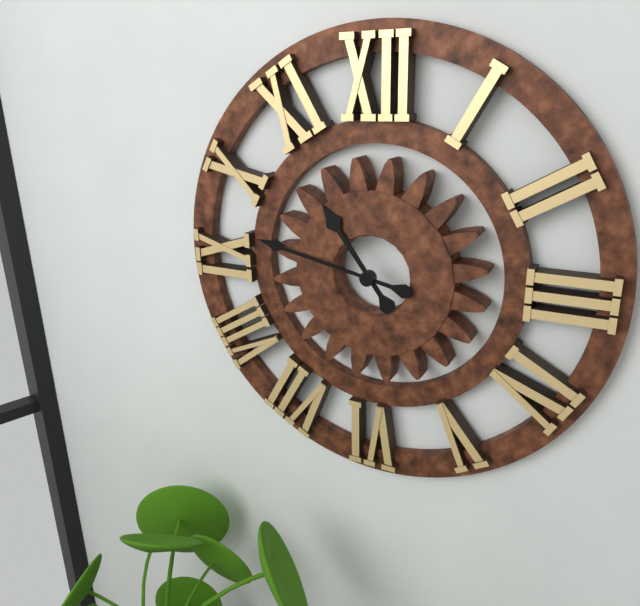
**10:47**
